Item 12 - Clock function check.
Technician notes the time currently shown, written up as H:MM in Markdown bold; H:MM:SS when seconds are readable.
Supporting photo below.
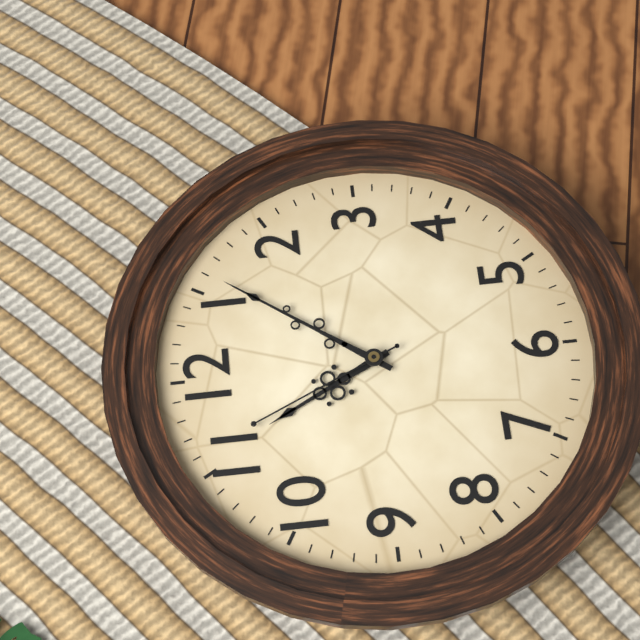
**11:06:56**
